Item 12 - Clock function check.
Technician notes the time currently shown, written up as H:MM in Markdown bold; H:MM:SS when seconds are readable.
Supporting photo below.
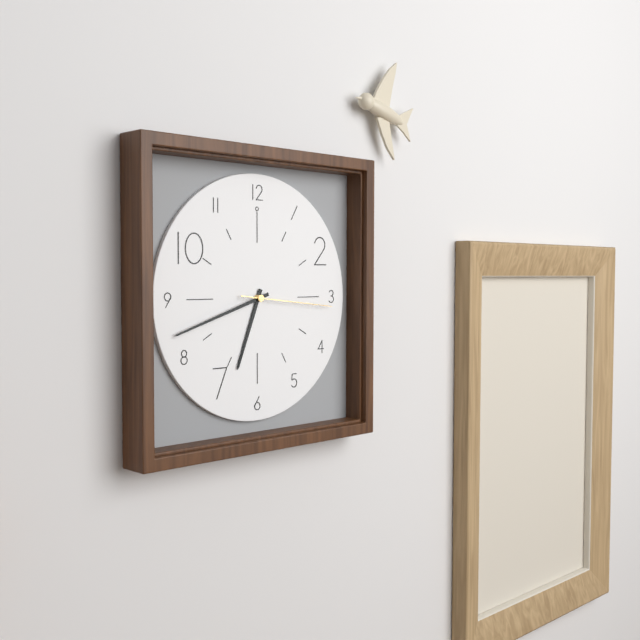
**6:42:16**
